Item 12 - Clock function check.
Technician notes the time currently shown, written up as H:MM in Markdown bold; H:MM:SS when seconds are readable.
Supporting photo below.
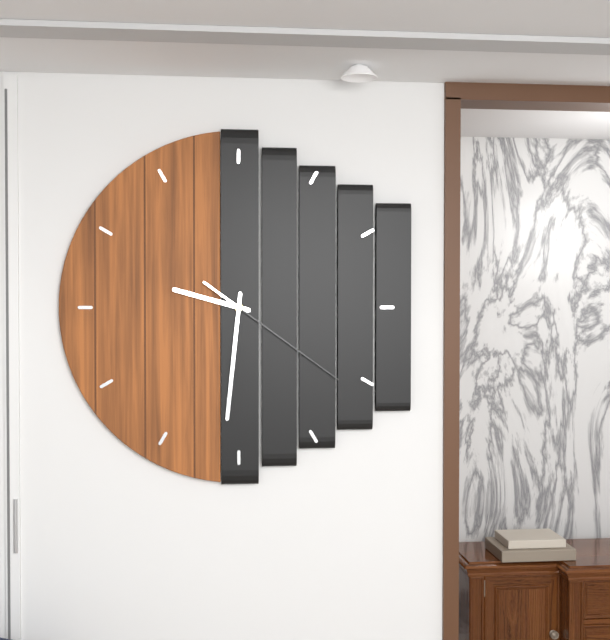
**9:31:21**
